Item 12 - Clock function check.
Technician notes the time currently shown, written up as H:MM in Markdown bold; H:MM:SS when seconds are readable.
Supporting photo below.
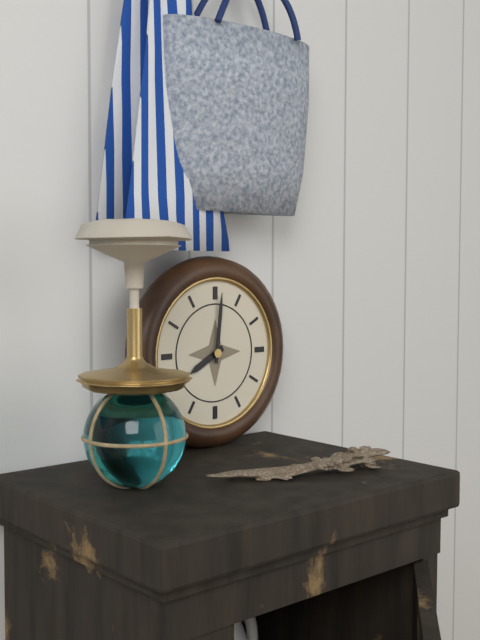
**8:01**
